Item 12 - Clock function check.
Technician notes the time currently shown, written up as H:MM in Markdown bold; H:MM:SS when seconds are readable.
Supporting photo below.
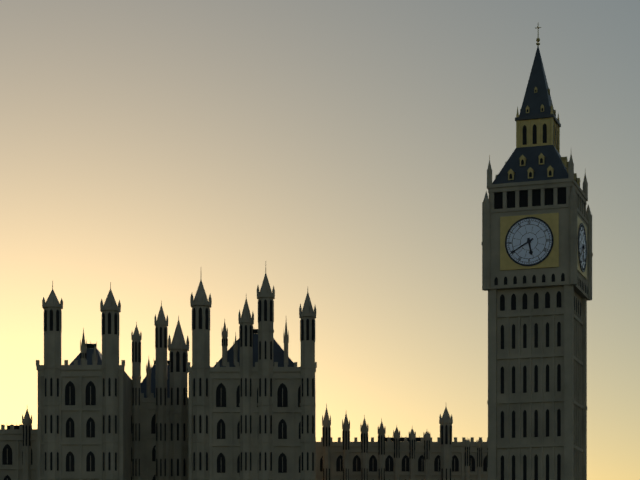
**5:40**
